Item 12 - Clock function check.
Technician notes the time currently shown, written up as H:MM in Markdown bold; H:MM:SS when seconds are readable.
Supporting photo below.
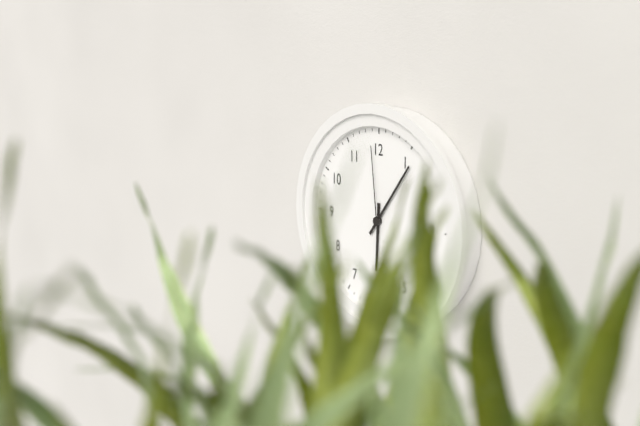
**6:06:59**
